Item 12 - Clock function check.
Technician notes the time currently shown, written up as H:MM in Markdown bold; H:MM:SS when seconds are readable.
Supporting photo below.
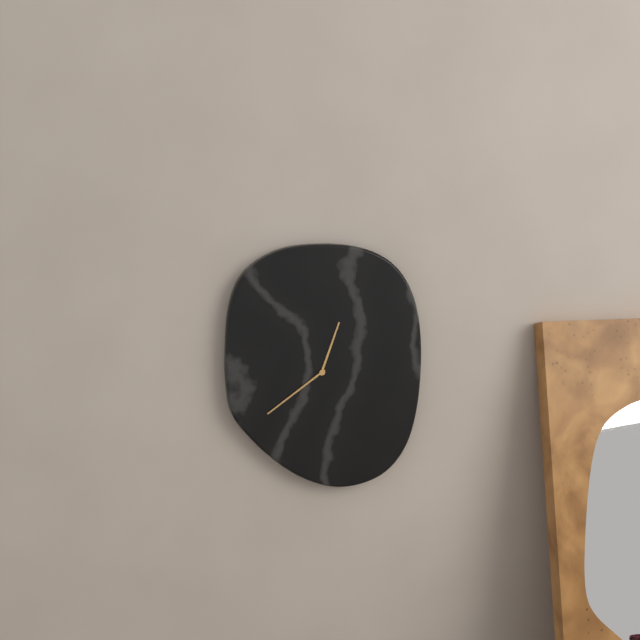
**12:39**
